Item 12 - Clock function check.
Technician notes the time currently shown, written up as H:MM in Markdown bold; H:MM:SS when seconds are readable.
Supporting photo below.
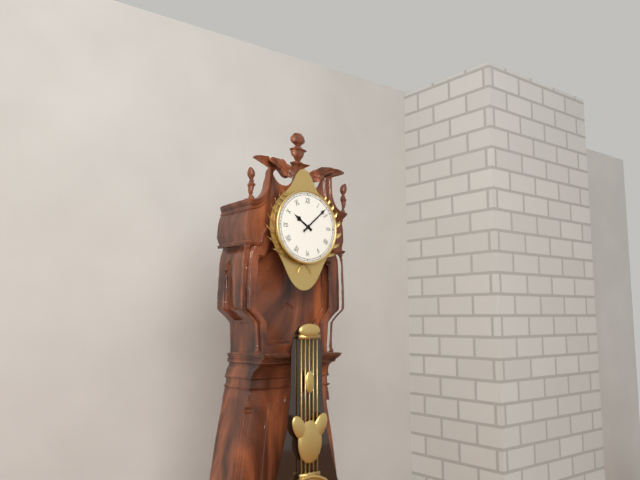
**10:08**
